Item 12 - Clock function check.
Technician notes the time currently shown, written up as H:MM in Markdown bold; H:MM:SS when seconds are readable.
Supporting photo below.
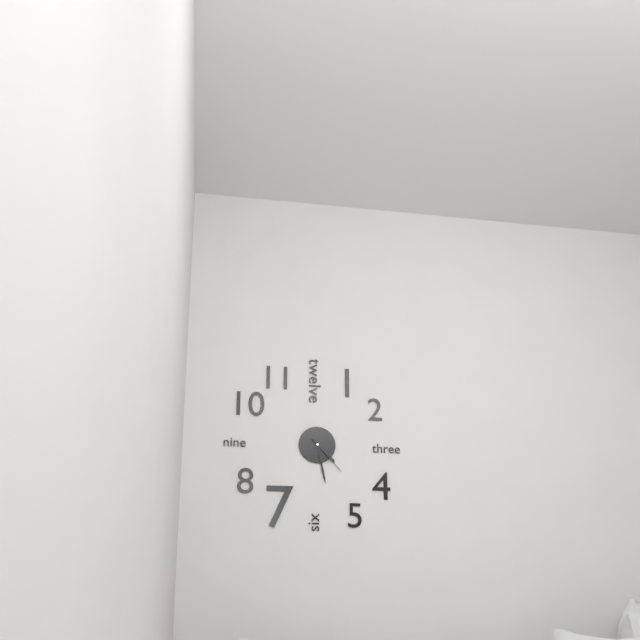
**4:28**
